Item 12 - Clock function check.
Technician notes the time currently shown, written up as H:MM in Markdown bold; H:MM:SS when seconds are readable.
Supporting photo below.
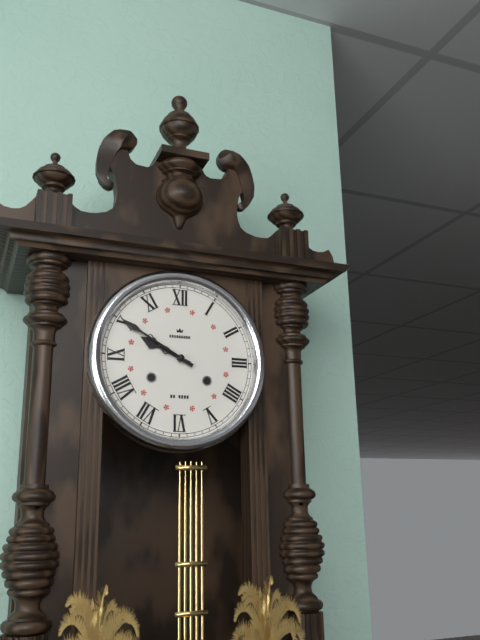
**9:50**
